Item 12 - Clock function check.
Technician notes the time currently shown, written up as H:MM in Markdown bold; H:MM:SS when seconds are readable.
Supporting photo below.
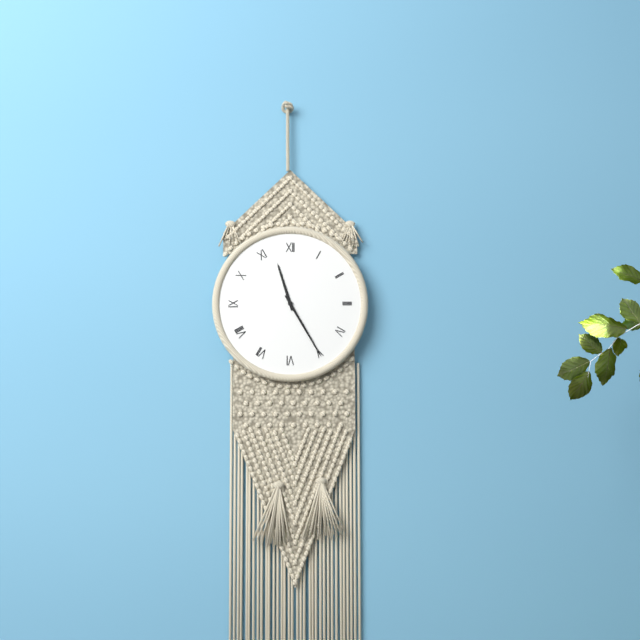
**11:25**
